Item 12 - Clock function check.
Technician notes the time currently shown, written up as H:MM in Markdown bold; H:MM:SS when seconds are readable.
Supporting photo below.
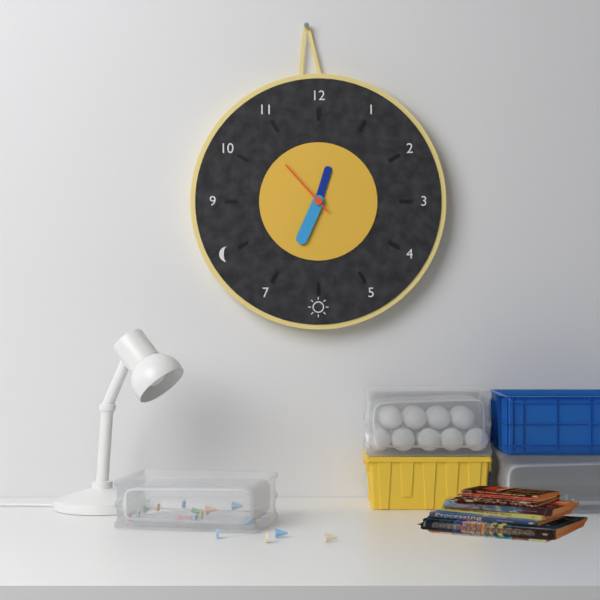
**12:34:53**
